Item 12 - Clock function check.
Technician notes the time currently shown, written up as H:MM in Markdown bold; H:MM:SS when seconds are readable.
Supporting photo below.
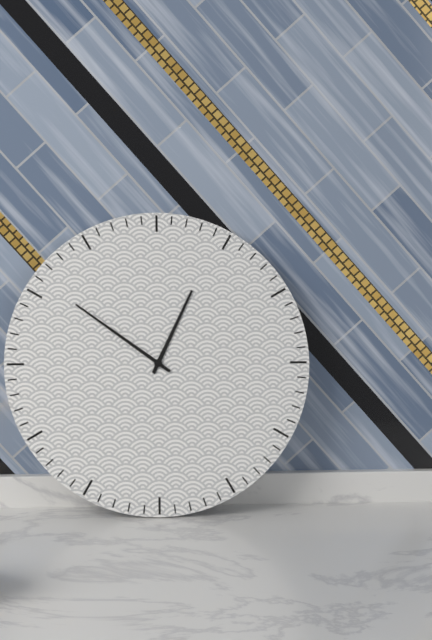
**12:51**
